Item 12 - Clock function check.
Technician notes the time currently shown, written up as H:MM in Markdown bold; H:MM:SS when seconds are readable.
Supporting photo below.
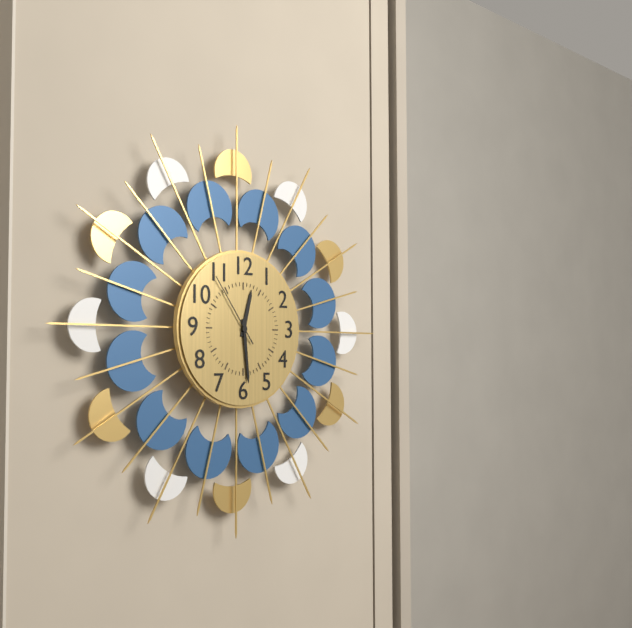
**12:29:54**
